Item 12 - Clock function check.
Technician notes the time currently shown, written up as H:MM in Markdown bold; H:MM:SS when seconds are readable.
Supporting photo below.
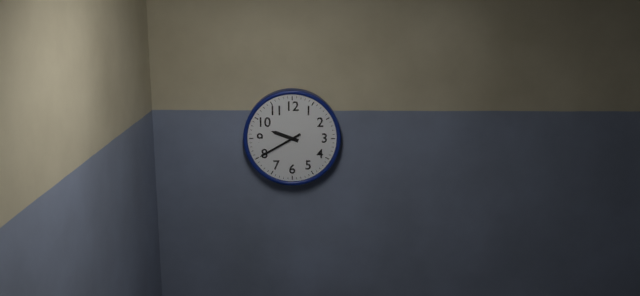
**9:40**
